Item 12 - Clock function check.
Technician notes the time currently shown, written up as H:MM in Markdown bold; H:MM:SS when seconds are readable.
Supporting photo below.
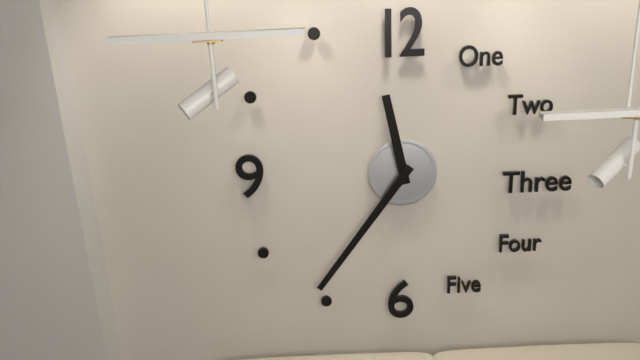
**11:36**
